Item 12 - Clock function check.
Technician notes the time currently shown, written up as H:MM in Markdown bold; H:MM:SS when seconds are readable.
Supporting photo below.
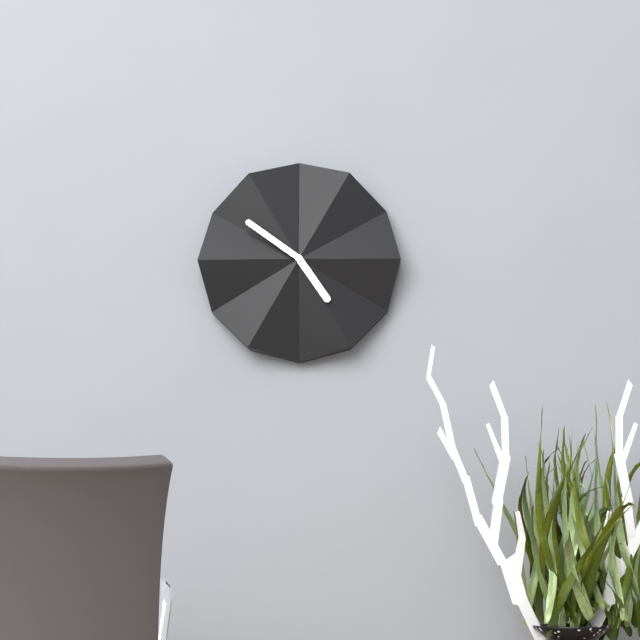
**4:51**
